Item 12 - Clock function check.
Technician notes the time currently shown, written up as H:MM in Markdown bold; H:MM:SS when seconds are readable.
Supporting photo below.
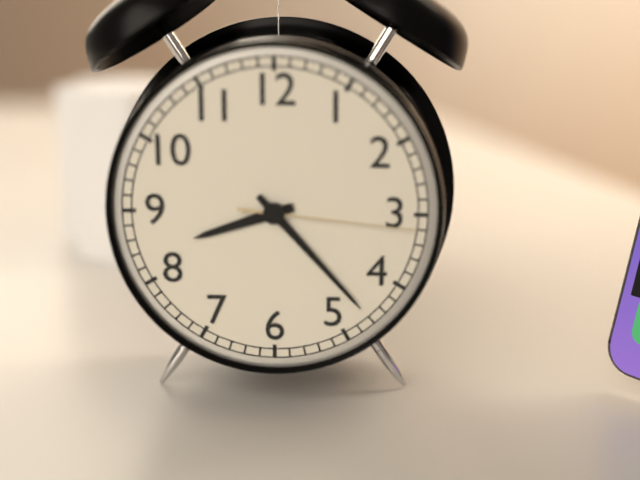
**8:23:16**
